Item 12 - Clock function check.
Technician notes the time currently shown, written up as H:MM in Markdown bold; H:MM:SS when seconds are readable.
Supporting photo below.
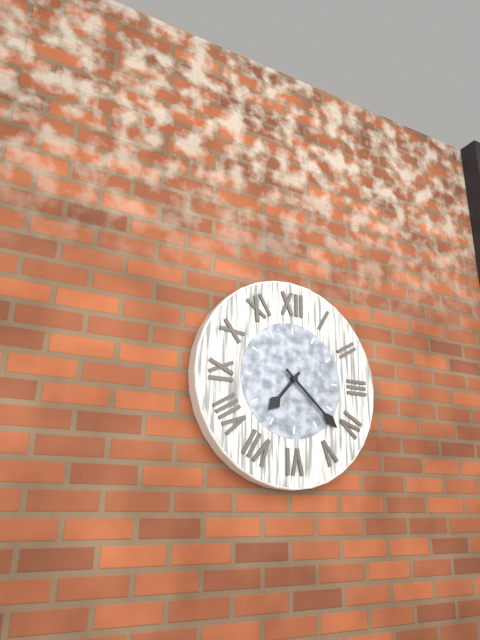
**7:22**
